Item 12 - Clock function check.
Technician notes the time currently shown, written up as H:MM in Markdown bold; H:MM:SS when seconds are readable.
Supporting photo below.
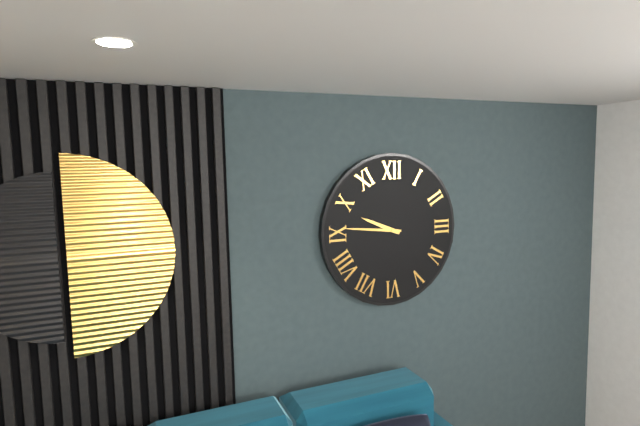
**9:46**
